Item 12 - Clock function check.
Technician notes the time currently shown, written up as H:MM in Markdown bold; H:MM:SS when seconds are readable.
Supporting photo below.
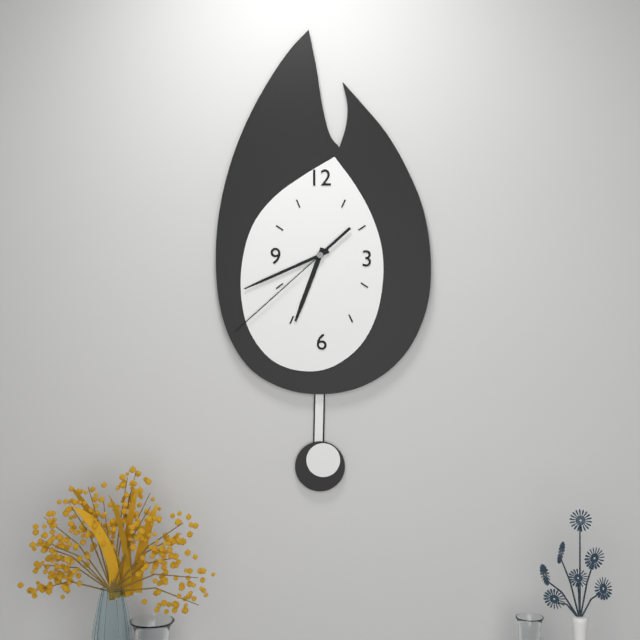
**6:41:38**
